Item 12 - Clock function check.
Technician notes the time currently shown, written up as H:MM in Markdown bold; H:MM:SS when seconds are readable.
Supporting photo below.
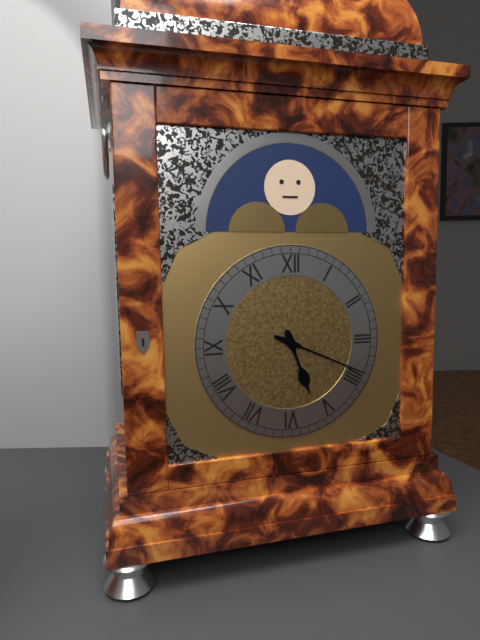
**5:19**
